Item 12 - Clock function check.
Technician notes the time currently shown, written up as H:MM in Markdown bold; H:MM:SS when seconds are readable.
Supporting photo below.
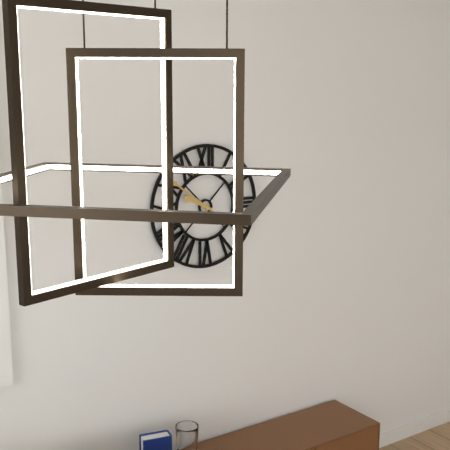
**9:51**
